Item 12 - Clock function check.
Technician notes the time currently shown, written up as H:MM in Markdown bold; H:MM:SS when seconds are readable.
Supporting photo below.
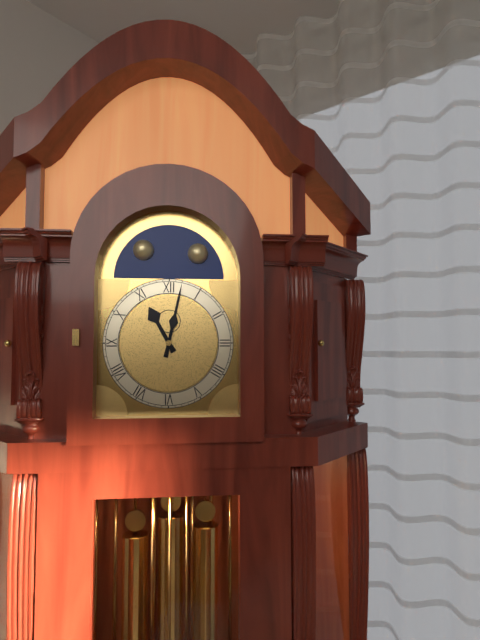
**11:02**
